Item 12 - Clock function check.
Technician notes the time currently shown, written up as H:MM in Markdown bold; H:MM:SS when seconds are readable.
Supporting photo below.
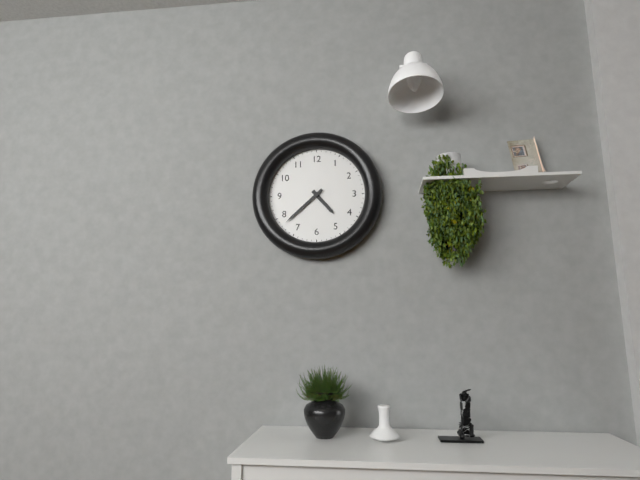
**4:38**
